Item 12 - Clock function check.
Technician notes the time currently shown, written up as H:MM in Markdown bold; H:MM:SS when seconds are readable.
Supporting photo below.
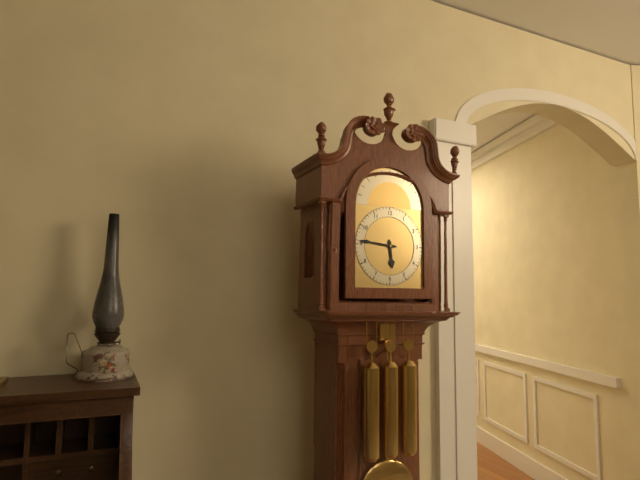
**5:46**
